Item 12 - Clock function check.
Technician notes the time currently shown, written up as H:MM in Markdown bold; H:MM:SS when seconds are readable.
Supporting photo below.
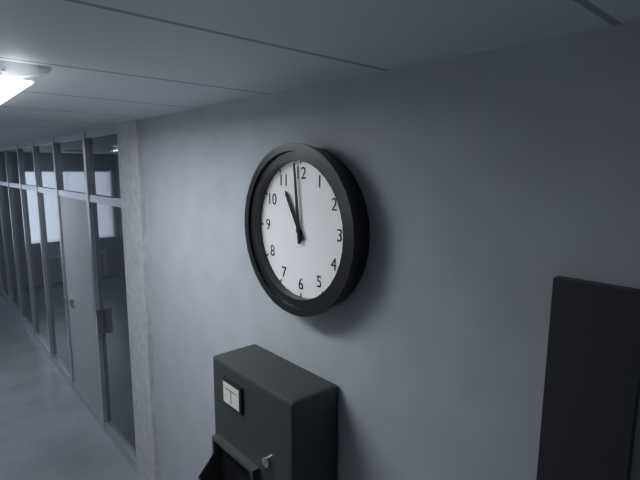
**10:59**
